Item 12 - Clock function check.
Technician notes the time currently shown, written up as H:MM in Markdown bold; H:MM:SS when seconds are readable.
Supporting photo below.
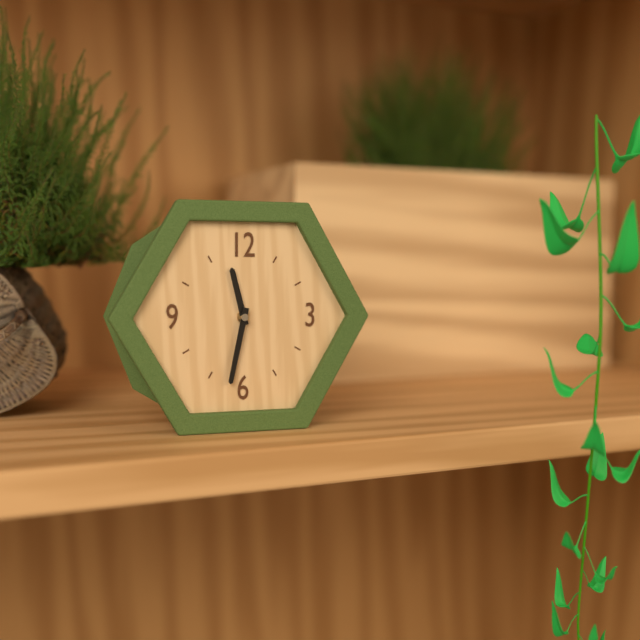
**11:32**
